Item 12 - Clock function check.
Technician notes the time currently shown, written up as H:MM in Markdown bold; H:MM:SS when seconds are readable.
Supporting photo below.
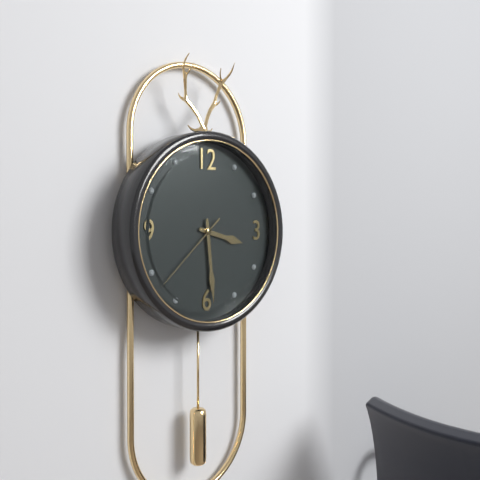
**3:29:38**
